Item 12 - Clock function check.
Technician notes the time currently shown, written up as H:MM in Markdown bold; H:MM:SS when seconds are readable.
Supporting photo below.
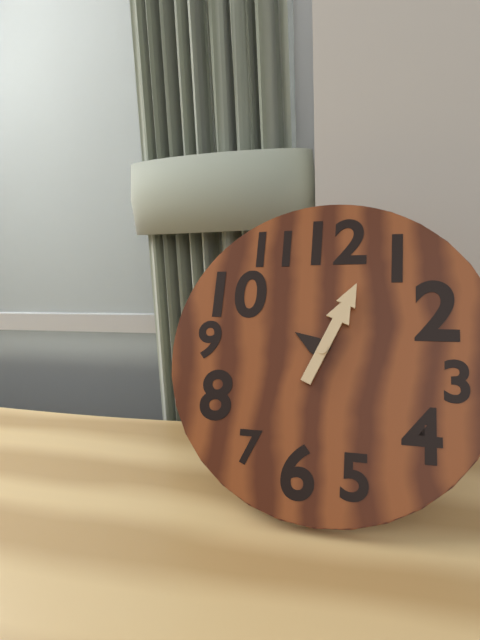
**10:04**
